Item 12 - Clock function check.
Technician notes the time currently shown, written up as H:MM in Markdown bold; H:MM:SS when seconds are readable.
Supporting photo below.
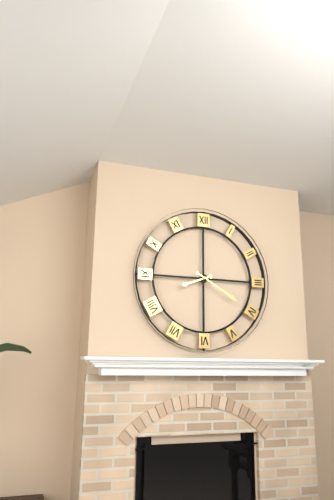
**8:20**
